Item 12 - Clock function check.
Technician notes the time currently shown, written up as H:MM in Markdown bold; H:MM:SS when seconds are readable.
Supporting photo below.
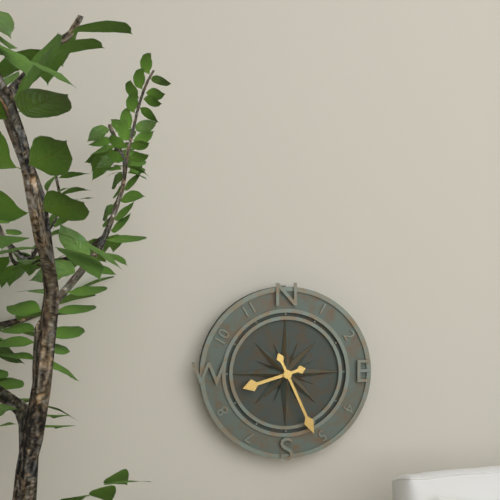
**8:26**
